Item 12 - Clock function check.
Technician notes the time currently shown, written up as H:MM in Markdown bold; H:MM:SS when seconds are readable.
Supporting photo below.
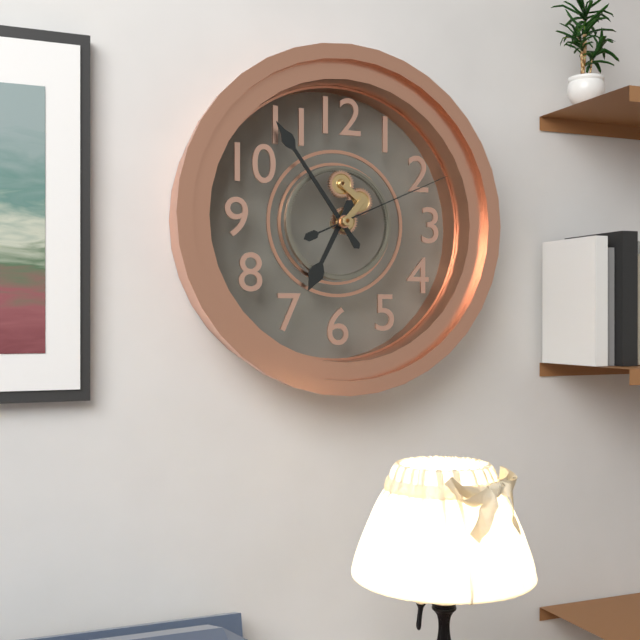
**6:54:11**
